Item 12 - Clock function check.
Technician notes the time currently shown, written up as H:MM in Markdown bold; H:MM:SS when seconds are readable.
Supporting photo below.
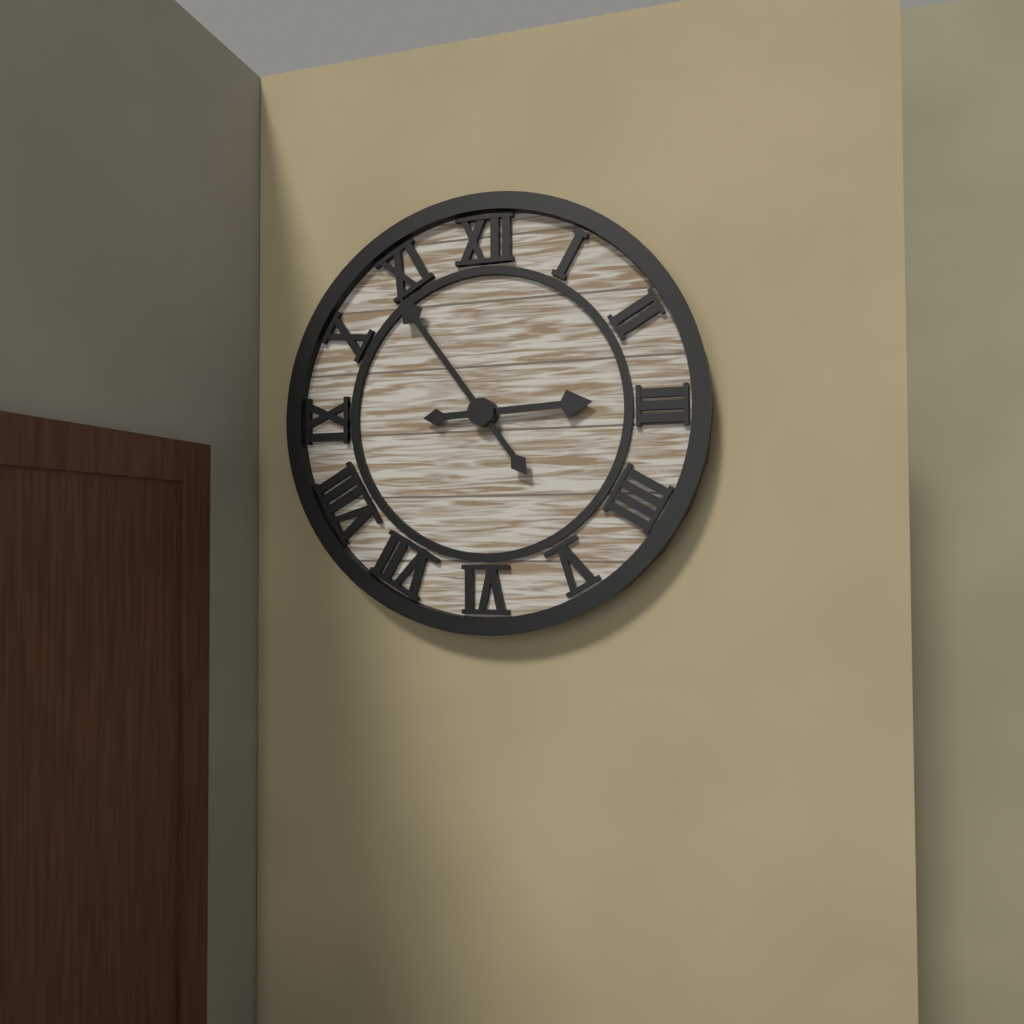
**2:54**
